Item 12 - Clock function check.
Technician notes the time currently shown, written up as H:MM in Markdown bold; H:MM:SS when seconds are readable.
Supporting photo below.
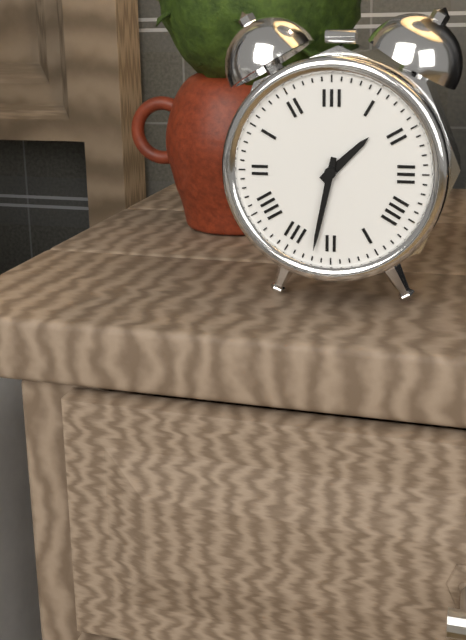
**1:32**
